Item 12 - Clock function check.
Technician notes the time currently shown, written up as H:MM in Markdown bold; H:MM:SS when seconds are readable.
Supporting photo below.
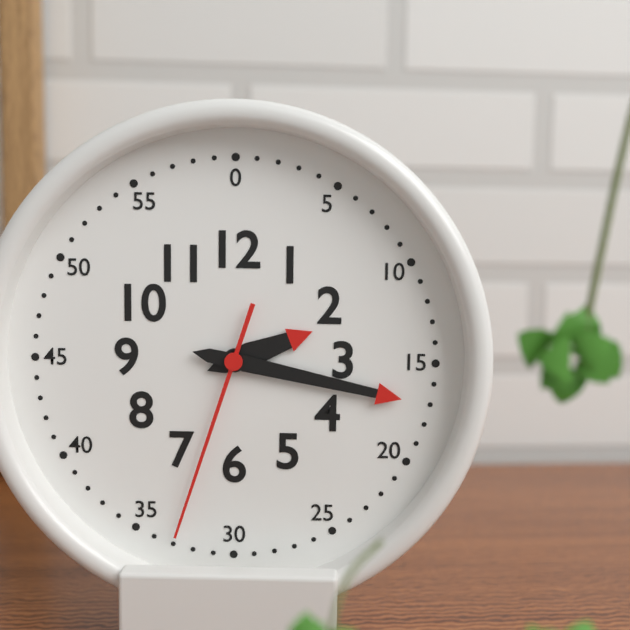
**2:17:33**
